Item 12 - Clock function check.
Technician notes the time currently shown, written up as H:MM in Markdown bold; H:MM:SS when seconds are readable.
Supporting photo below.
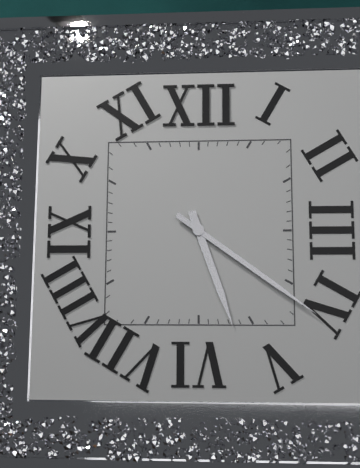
**5:21**
